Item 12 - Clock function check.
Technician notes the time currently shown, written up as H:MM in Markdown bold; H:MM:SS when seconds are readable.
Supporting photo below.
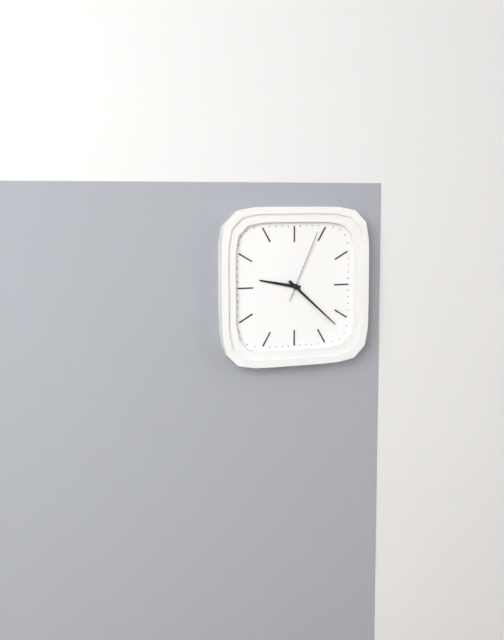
**9:22:04**
